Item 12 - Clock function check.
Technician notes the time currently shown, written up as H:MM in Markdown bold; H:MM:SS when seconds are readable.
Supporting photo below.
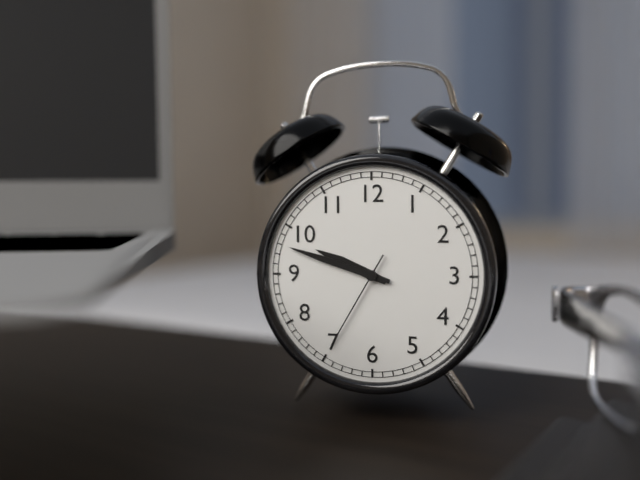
**9:48:35**
